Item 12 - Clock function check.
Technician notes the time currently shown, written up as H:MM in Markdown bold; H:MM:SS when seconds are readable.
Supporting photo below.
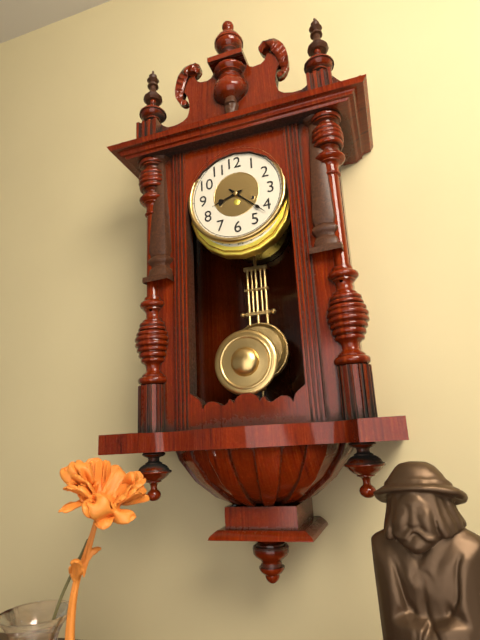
**8:22**
